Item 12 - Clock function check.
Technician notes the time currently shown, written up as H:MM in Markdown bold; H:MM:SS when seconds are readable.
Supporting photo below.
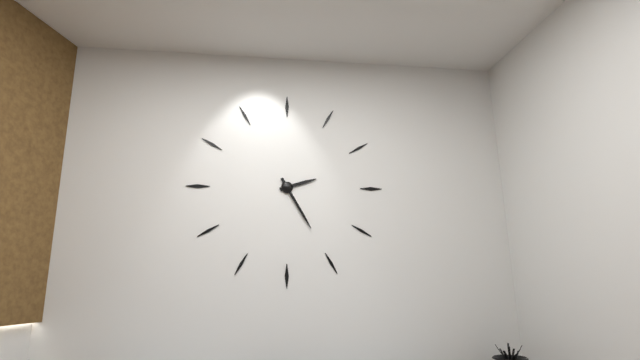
**2:25**
